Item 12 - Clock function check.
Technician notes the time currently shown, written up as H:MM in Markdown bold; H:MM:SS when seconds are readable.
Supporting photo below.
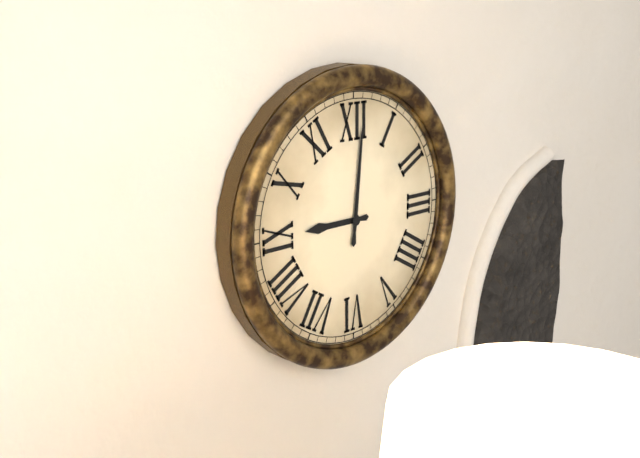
**9:01**
